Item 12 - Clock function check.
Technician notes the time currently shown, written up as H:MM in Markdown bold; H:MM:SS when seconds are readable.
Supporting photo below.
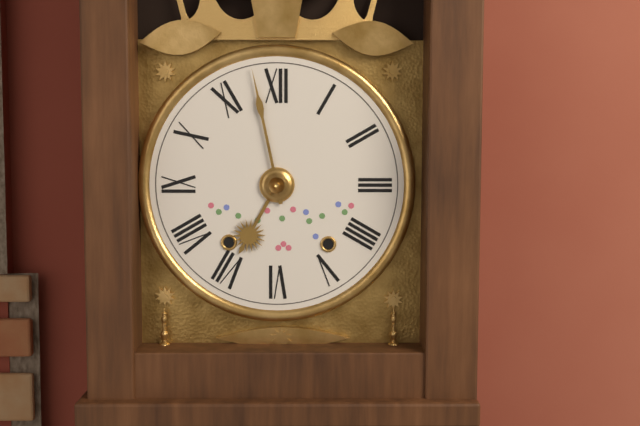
**6:58**
